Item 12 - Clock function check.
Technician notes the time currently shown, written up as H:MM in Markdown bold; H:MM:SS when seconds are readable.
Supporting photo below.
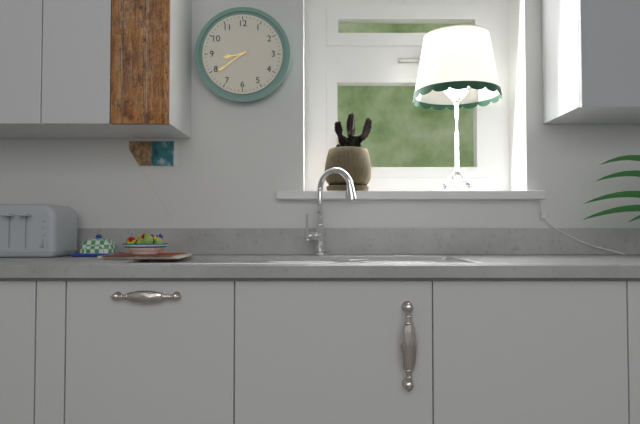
**8:39**
